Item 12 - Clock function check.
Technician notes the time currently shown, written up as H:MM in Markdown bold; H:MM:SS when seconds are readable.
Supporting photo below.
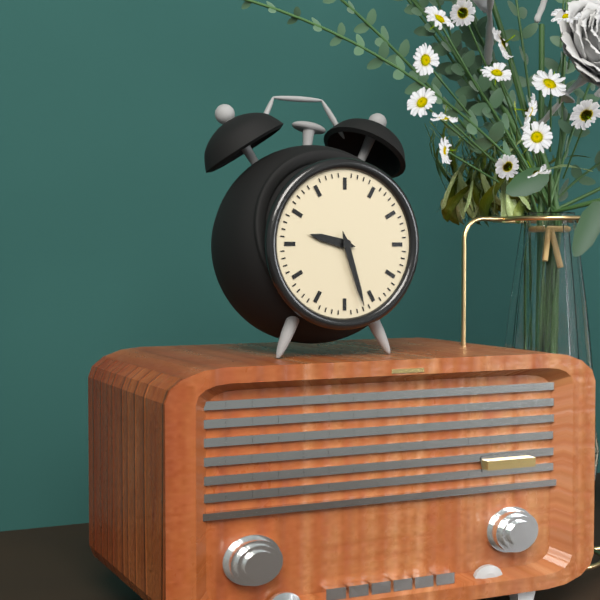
**9:27**
